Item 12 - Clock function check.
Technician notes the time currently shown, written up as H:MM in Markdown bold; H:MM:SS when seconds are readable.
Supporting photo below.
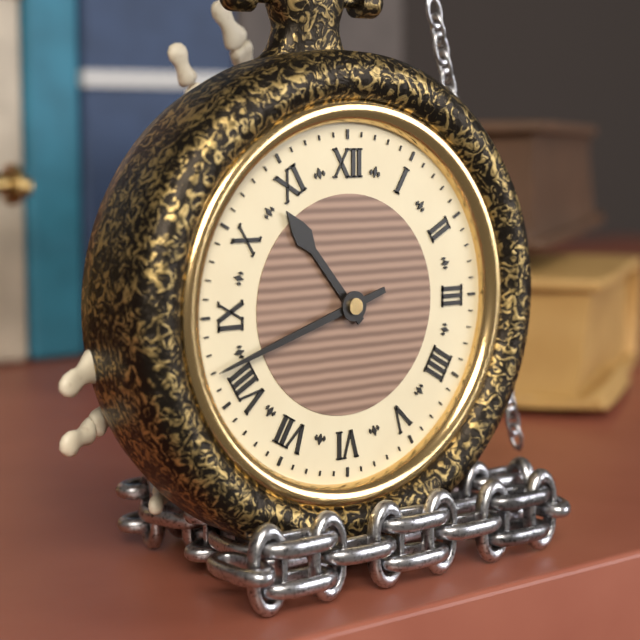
**10:42**
